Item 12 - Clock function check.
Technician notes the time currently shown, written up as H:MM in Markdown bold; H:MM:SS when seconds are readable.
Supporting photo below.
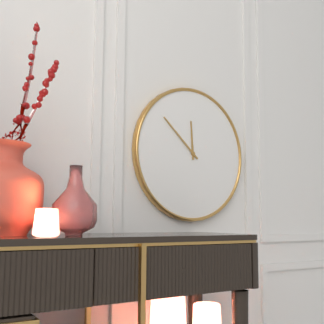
**11:52**
